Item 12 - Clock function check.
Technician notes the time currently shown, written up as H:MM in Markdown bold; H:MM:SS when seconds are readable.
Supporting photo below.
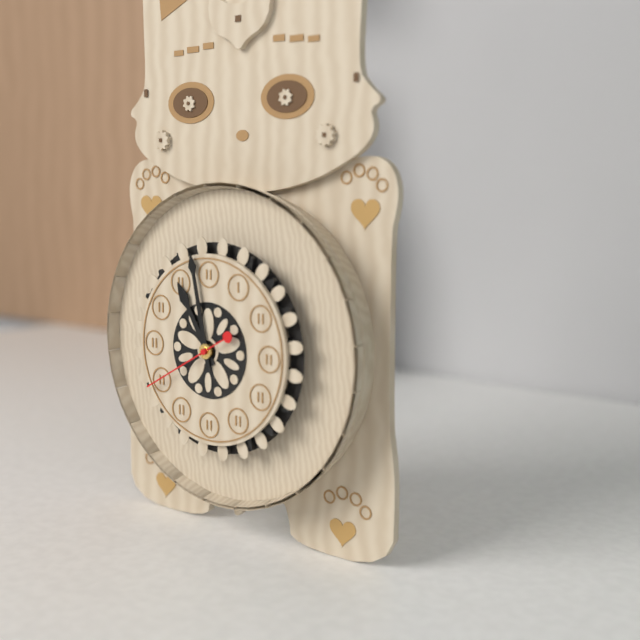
**10:58:40**
